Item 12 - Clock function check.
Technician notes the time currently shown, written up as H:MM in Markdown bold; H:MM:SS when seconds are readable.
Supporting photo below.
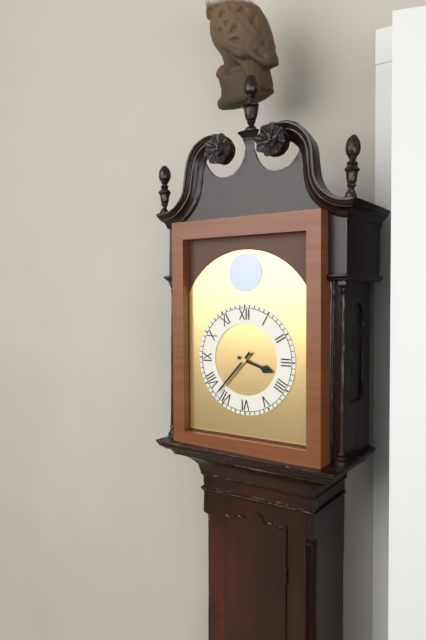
**3:37**
